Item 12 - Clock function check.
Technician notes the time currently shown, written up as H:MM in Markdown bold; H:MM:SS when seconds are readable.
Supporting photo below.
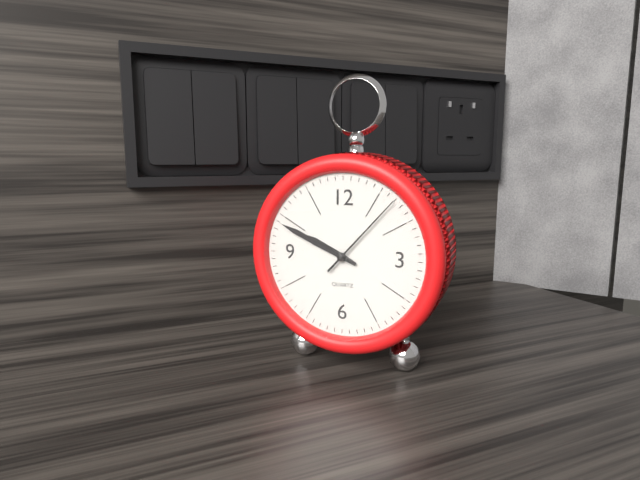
**9:49:07**
